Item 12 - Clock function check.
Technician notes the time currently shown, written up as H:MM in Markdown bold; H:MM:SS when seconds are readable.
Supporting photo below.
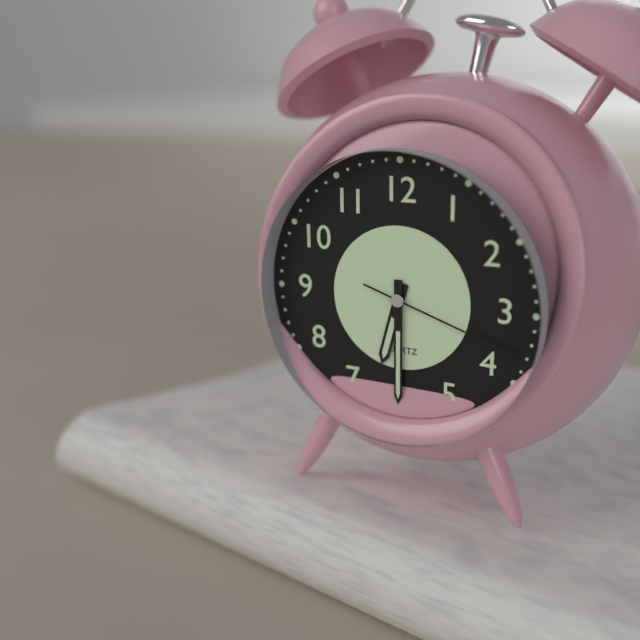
**6:30:18**
